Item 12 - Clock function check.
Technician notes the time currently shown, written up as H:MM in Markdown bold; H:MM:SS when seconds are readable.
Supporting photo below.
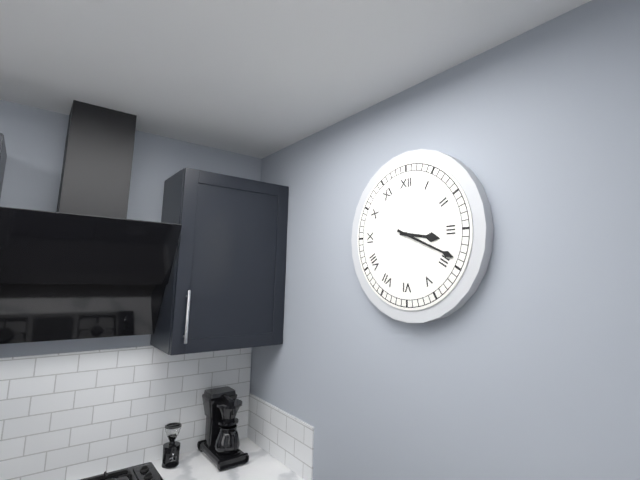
**3:19**
